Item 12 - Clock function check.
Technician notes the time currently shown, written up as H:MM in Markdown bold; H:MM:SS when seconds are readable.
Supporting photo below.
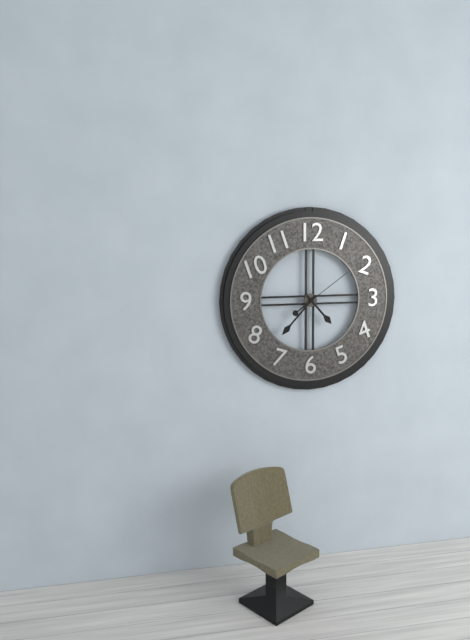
**4:37:09**
